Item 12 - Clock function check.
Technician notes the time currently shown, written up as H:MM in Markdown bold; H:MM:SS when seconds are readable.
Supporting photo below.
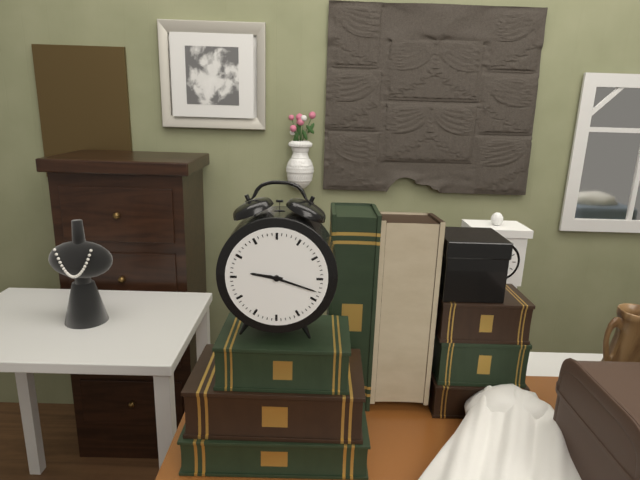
**9:18**
